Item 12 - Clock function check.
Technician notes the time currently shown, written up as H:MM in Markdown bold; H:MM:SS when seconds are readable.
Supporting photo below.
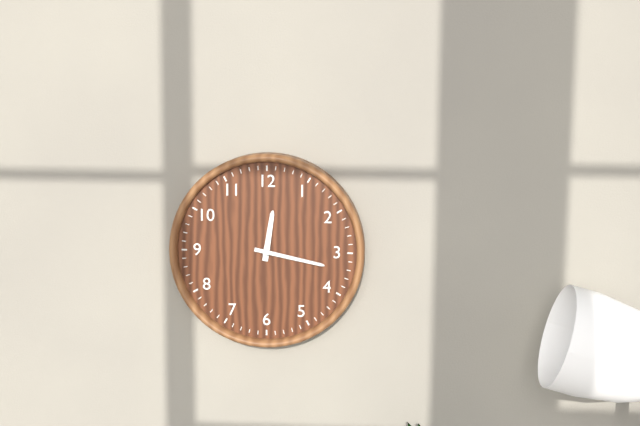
**12:17**
